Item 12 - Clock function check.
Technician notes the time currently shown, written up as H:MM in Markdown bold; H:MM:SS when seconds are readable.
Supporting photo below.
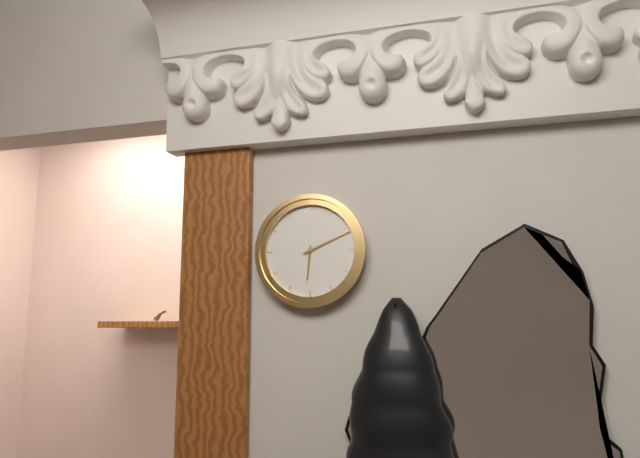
**6:11**
